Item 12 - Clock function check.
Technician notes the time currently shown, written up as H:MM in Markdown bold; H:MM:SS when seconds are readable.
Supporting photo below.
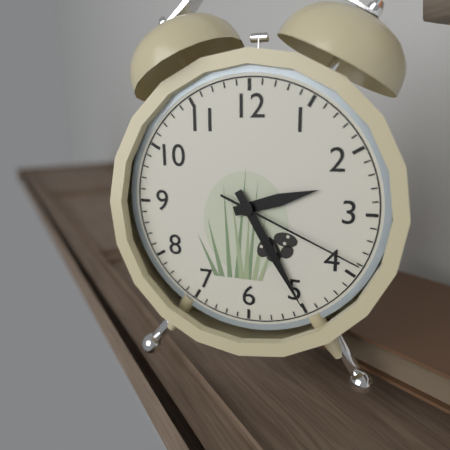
**2:25:19**
